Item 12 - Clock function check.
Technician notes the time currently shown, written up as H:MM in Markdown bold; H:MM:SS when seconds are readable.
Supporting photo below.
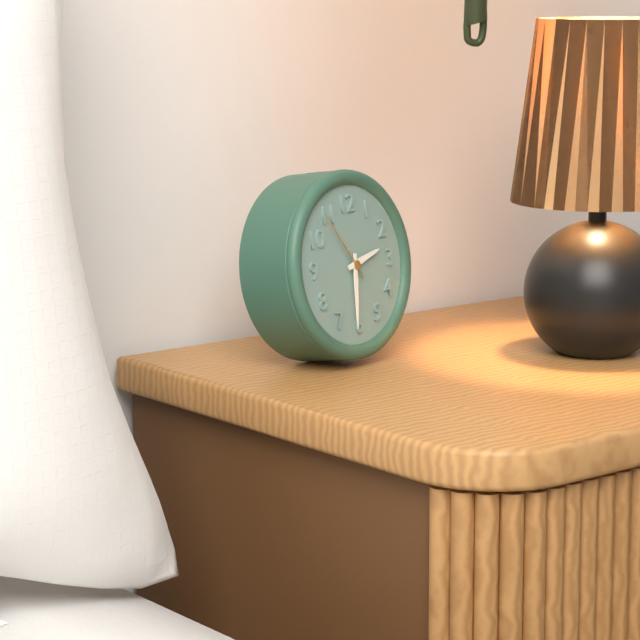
**2:31:54**
